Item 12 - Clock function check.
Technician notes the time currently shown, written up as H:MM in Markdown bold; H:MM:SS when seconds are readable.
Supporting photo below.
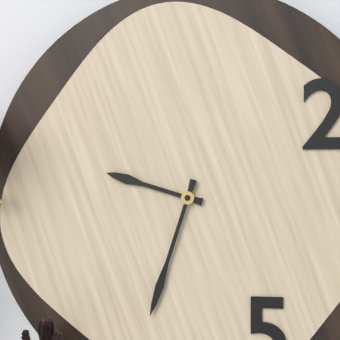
**9:33**
